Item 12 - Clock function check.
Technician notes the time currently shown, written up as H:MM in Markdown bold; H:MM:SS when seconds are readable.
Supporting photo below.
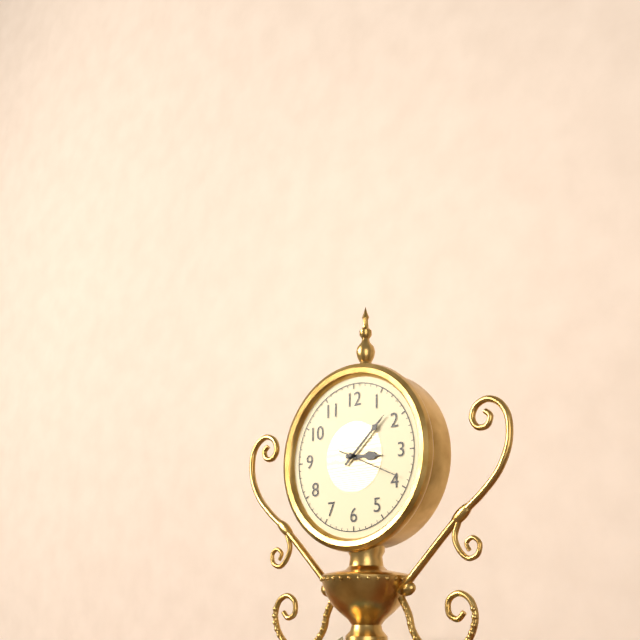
**3:08:19**
